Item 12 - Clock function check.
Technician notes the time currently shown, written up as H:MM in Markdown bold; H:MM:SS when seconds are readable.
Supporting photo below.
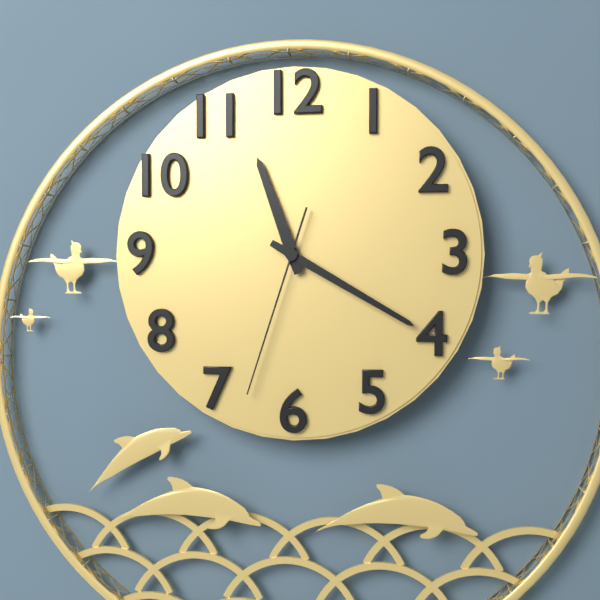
**11:20:33**
